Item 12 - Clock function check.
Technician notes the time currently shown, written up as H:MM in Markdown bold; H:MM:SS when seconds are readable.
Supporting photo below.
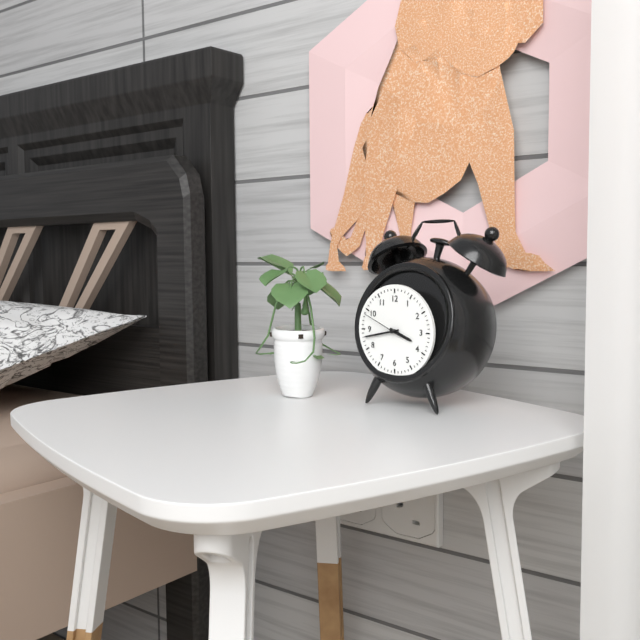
**3:43**
